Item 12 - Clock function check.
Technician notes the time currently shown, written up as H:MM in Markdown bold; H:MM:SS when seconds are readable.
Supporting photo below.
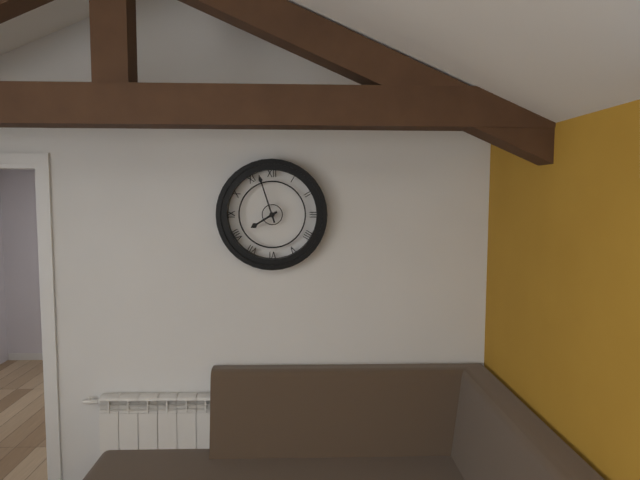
**7:57**
